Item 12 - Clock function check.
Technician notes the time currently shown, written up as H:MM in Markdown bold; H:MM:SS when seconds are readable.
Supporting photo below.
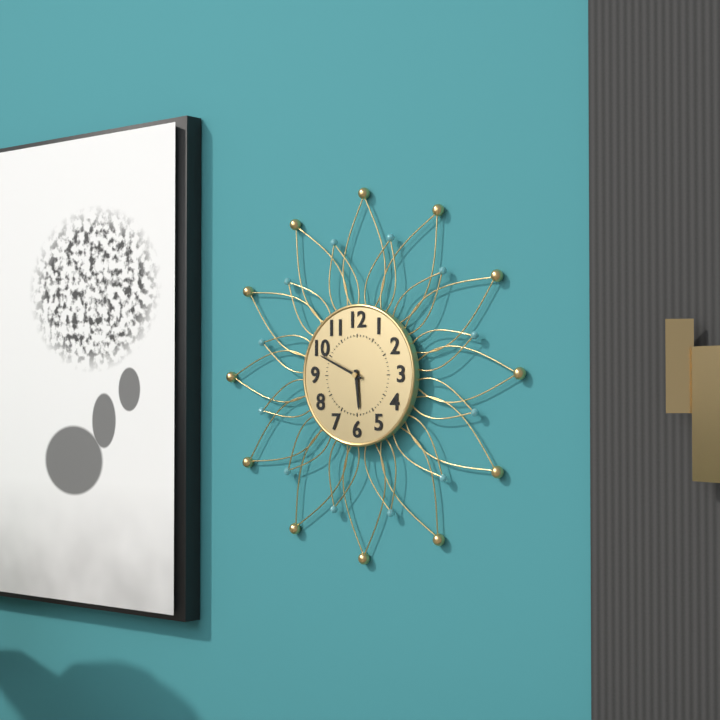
**5:49**
